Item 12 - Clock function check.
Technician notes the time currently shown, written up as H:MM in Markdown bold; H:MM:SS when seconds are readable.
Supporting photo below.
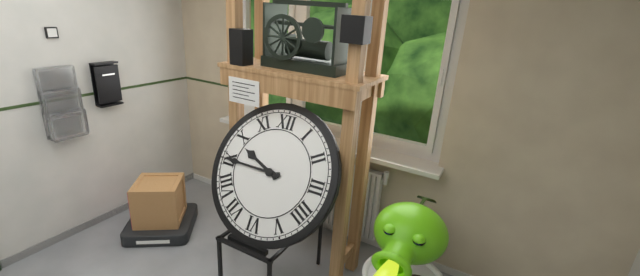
**9:45**
